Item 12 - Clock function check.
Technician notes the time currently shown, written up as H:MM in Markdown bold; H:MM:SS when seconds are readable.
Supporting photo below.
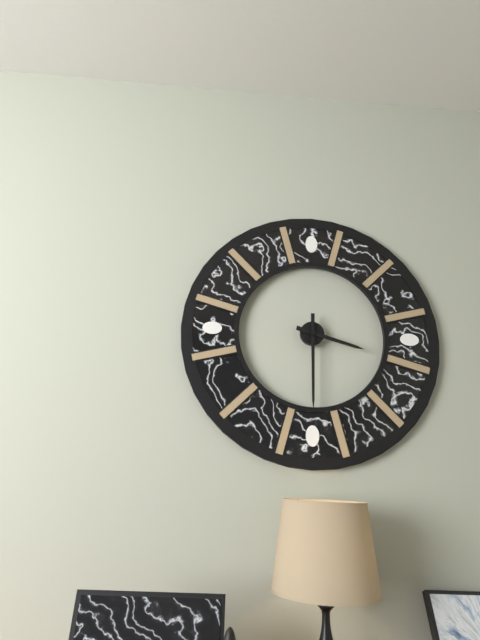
**3:30**
